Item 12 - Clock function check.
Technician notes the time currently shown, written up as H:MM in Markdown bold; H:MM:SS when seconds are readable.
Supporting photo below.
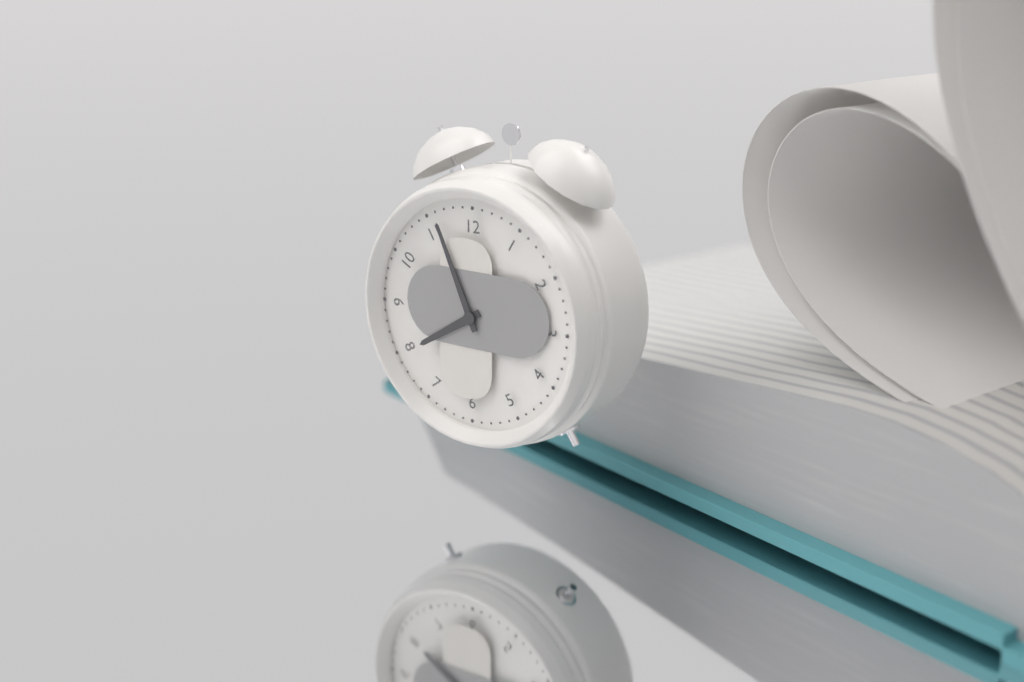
**7:56**
